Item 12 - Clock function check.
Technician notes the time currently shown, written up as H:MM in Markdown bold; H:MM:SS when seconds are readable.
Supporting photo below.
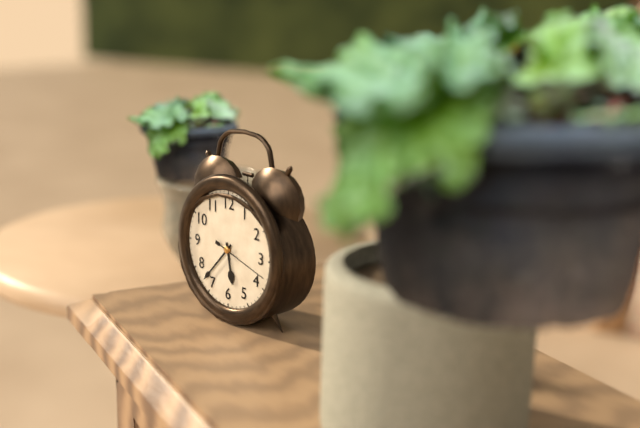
**5:37:18**
